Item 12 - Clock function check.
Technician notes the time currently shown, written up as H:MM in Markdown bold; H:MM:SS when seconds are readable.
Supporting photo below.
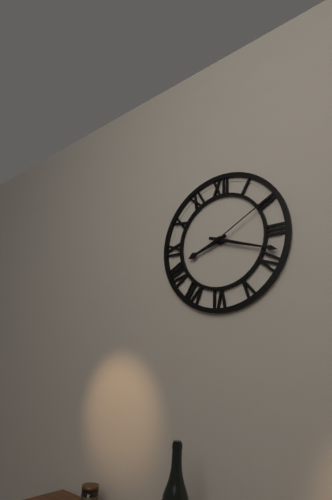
**8:18:10**
